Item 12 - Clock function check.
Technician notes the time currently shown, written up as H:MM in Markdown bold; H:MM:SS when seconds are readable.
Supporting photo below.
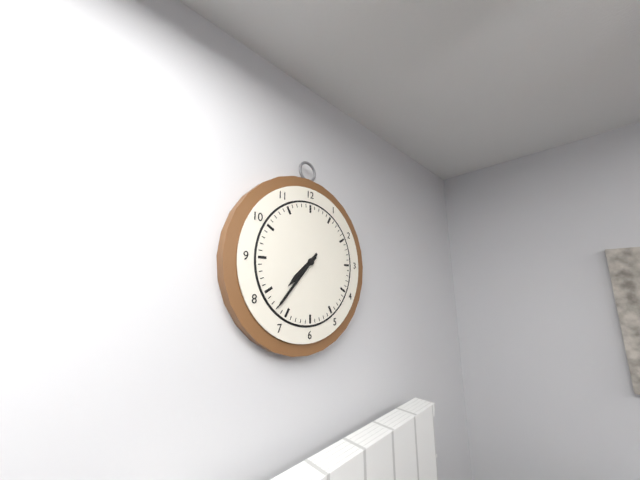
**7:37**
